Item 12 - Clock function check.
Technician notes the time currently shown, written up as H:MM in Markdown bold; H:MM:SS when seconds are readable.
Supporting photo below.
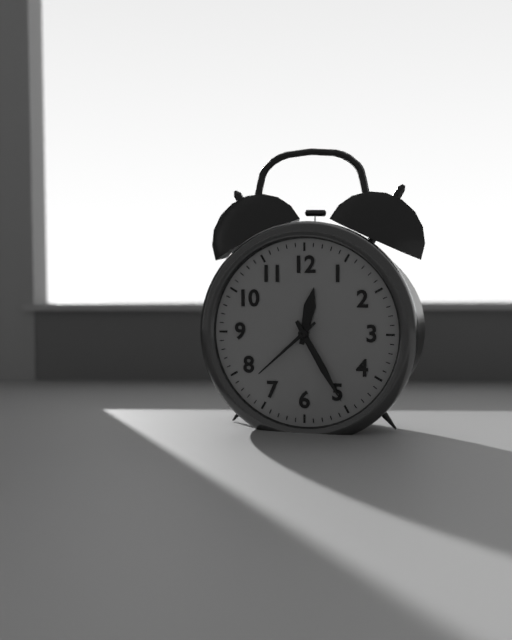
**12:25:38**
